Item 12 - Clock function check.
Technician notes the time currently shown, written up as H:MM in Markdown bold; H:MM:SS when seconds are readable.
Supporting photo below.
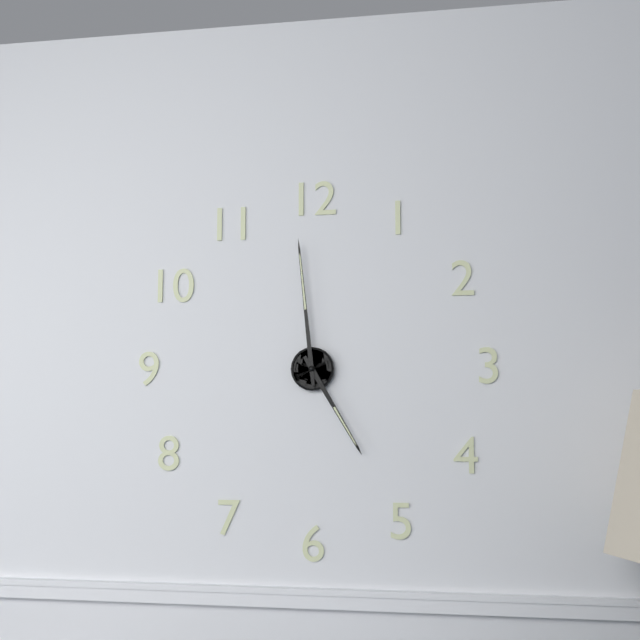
**4:59**
